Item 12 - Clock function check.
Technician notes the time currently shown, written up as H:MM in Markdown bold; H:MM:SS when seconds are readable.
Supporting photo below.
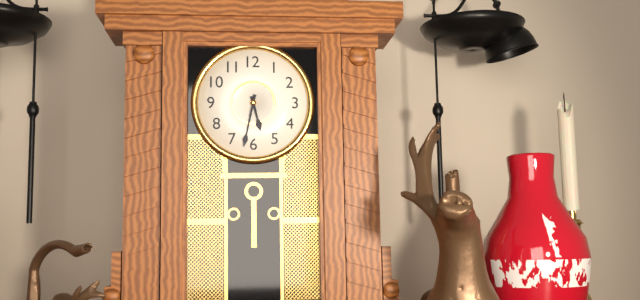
**5:32**
